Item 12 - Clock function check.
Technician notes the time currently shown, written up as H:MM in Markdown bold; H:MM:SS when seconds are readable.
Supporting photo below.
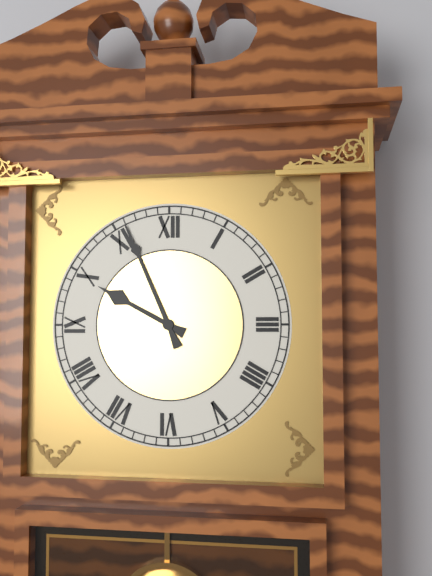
**9:56**
